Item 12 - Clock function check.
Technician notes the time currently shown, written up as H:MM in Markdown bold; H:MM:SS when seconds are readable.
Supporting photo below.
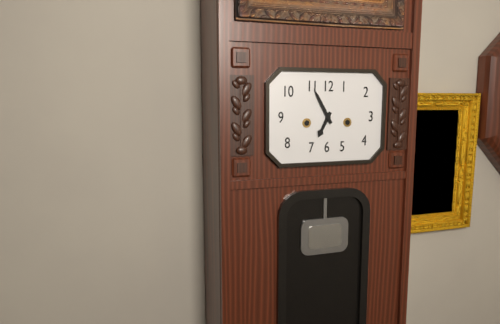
**6:55**
